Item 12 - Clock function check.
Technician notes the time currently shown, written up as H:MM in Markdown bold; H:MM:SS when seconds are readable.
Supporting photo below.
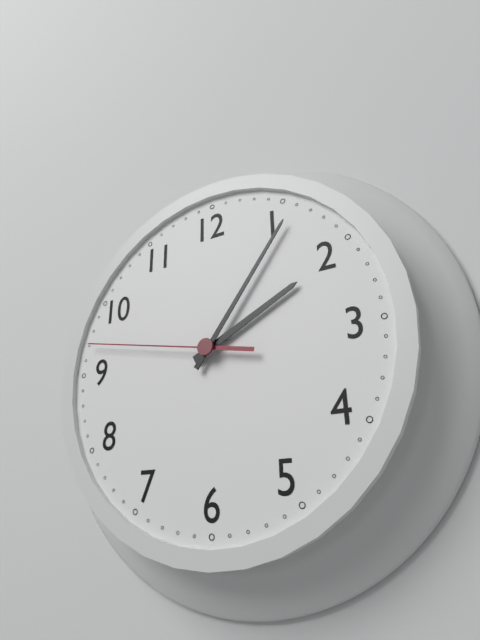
**2:06:47**
